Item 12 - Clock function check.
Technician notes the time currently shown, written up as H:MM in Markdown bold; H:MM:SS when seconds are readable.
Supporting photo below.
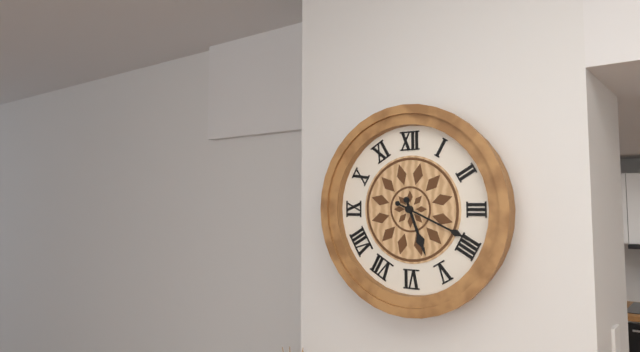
**5:19**
